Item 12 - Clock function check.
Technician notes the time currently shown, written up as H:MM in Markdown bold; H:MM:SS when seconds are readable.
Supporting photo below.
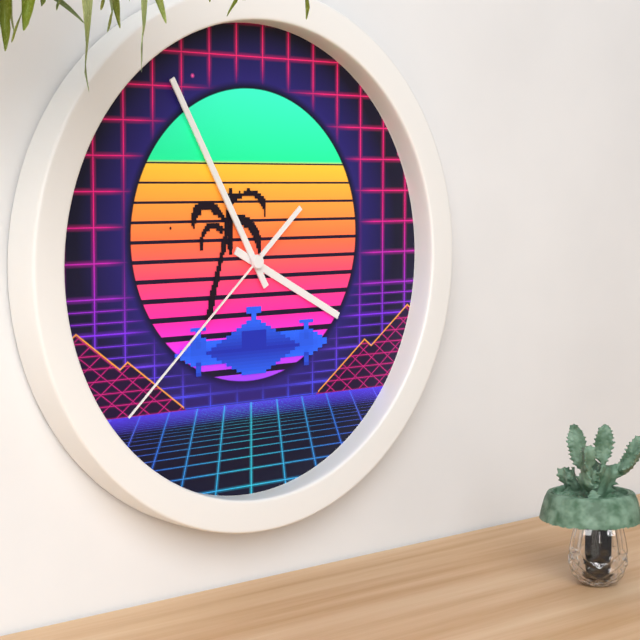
**3:55:38**
